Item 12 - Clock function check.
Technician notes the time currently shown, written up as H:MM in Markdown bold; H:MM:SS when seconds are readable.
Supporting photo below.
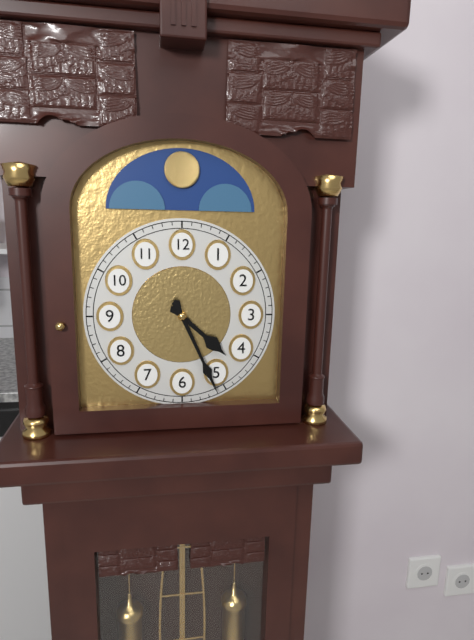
**4:26**
